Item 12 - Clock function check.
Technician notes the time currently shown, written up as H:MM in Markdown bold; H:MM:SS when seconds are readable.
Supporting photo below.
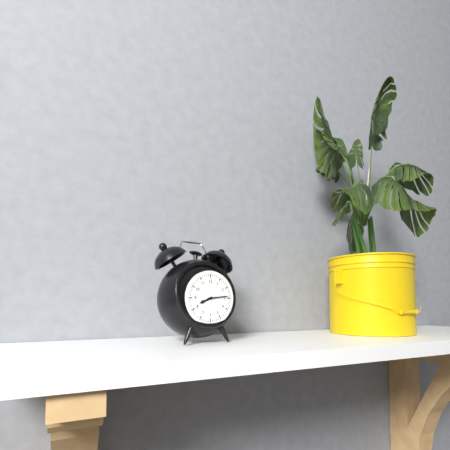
**8:14**
